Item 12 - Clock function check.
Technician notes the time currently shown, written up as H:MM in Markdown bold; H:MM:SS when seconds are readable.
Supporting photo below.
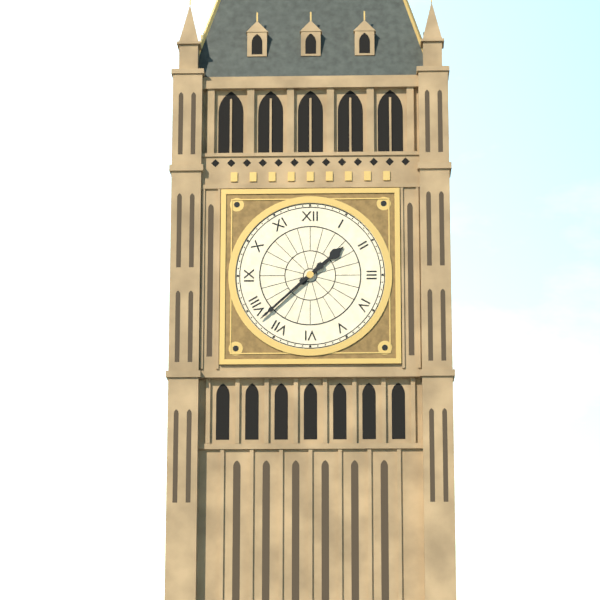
**1:38**
